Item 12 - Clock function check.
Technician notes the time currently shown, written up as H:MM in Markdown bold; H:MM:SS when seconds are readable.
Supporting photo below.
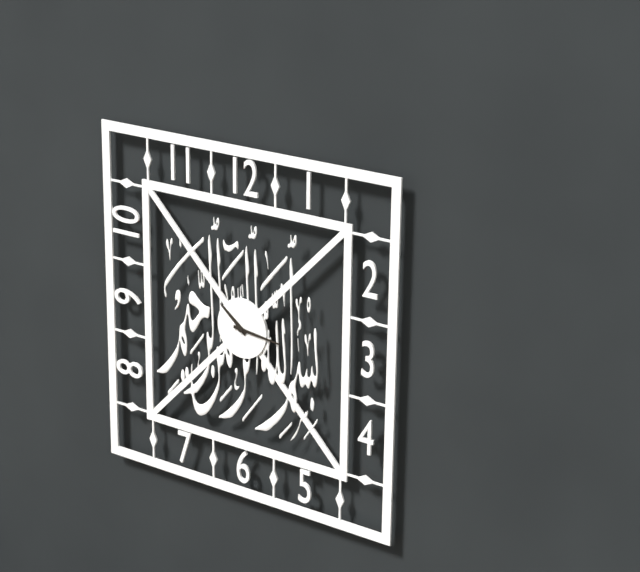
**10:16**
